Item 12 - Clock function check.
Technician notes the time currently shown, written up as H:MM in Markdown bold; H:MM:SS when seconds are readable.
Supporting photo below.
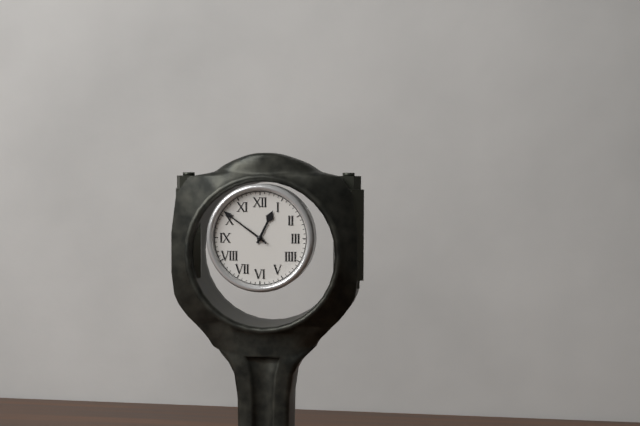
**12:51**
